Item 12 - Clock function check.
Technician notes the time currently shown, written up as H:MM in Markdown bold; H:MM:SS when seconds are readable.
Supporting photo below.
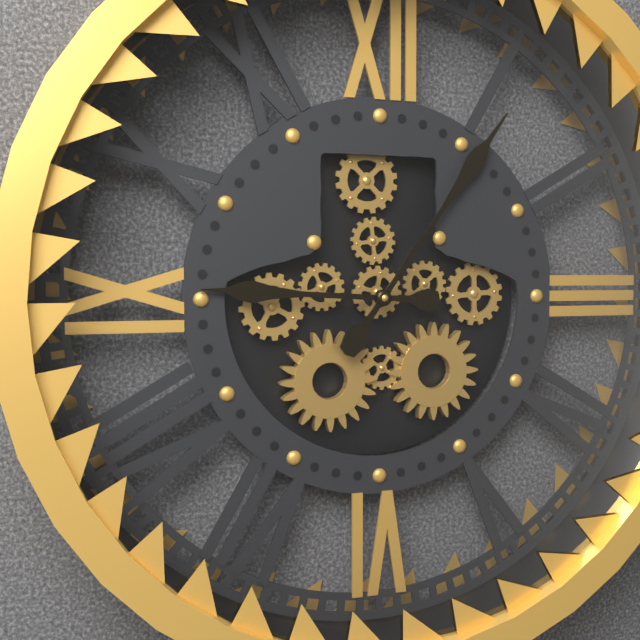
**9:06**
